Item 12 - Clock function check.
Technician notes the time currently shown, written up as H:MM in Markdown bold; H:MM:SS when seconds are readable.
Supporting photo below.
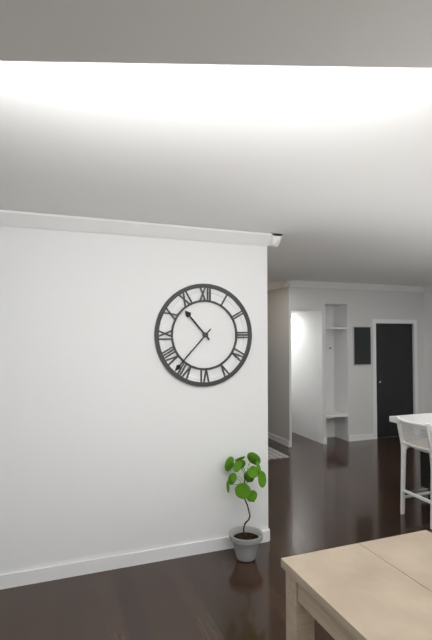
**10:37**
